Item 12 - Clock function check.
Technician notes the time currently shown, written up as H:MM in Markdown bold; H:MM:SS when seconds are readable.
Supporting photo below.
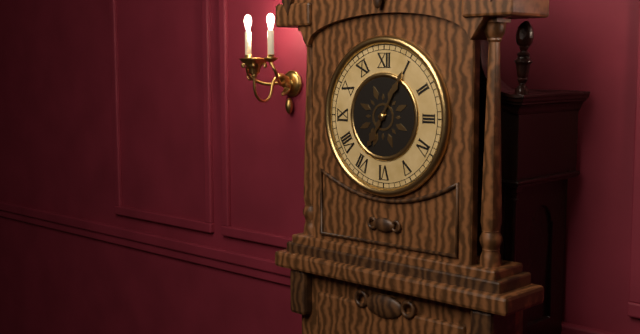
**7:05**
